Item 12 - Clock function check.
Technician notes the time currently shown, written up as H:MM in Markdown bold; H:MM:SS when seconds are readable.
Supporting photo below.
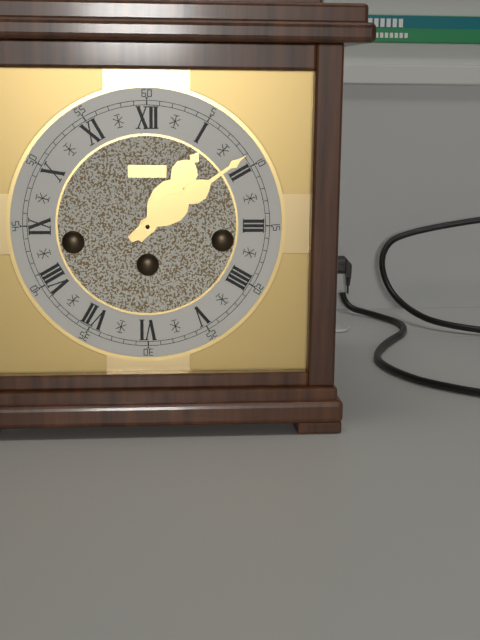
**1:09**
